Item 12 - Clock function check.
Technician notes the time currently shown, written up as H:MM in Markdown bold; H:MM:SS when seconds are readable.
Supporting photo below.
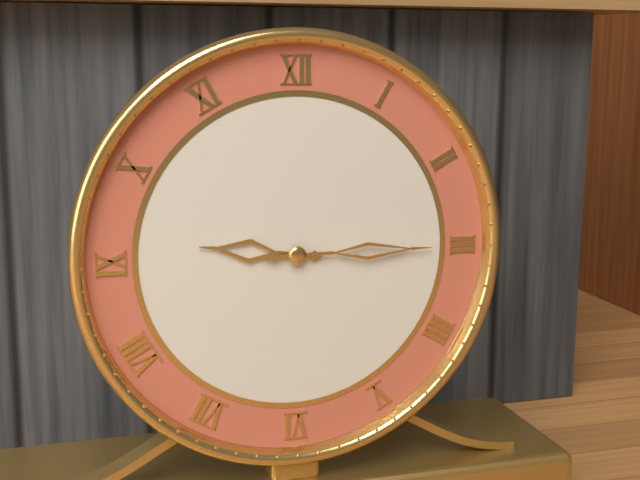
**9:15**
